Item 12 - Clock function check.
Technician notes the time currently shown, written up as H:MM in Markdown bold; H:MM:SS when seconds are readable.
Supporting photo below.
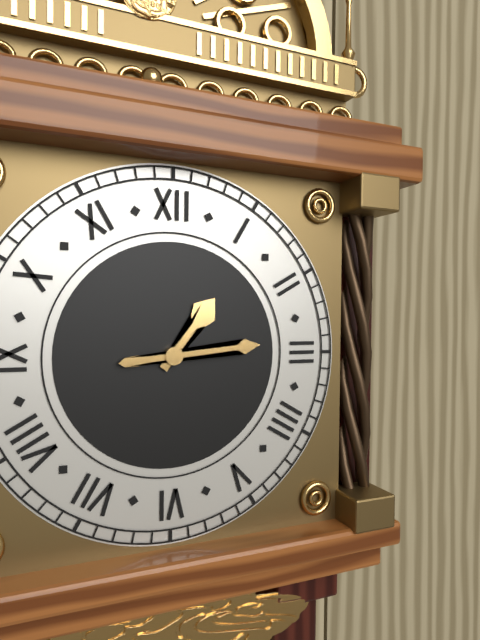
**1:14**
